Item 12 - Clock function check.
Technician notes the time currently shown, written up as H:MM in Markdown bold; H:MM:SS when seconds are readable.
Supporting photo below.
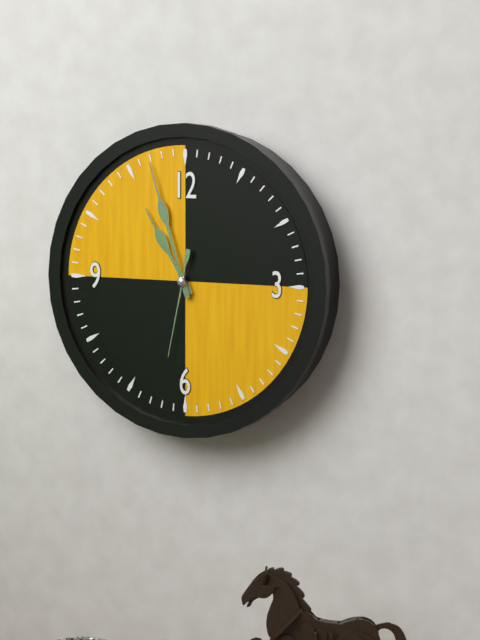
**10:57:32**
